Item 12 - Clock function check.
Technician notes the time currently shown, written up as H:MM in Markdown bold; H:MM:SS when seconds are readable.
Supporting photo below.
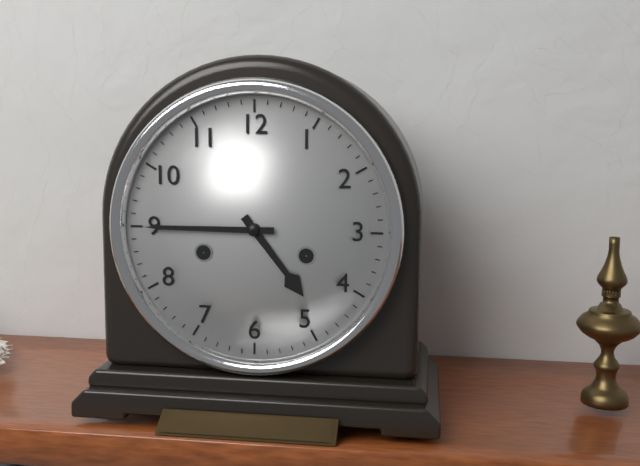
**4:45**
